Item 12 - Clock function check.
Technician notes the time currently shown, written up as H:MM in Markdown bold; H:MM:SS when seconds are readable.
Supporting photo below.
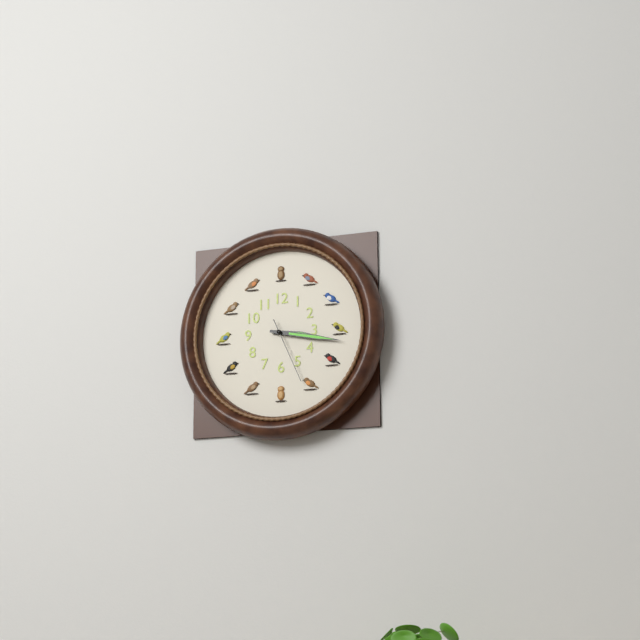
**3:17:26**
